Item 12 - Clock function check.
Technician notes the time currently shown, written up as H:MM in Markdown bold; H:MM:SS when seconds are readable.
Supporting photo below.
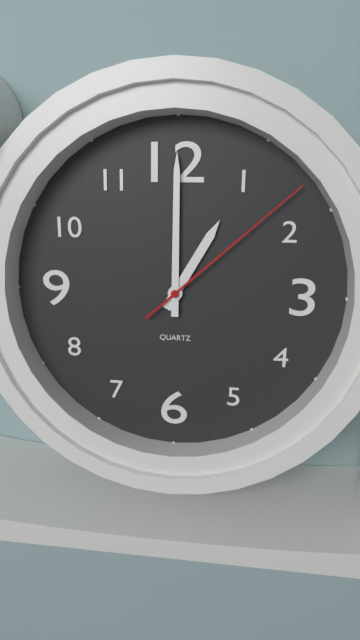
**1:00:08**
